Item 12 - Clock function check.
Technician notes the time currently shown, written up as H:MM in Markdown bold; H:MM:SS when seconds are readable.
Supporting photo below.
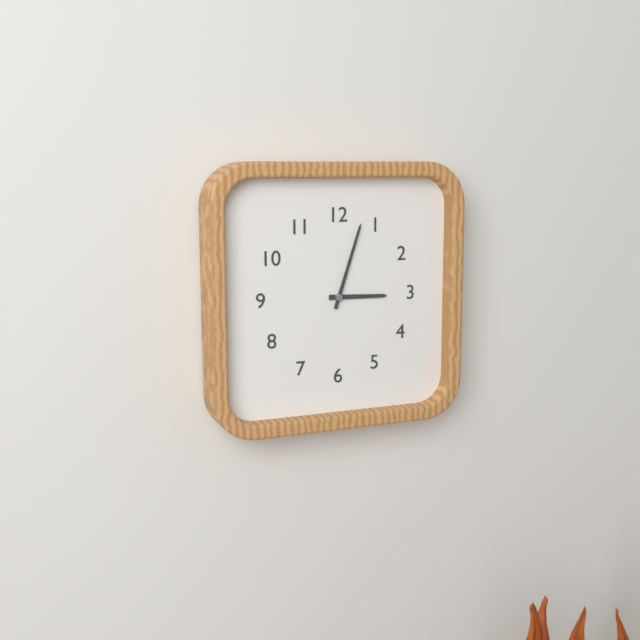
**3:03**
